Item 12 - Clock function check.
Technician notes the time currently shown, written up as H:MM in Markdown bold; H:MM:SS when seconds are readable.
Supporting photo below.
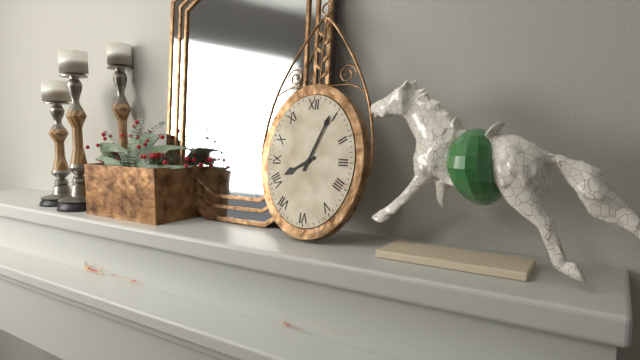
**8:04**
